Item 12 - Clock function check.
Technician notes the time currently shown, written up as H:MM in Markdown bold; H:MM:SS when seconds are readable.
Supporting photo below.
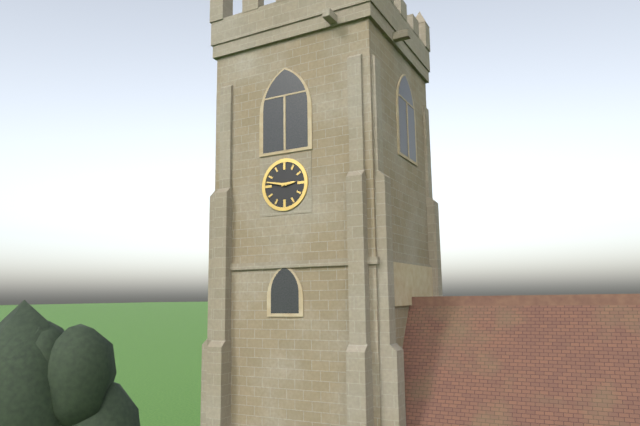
**2:47**
